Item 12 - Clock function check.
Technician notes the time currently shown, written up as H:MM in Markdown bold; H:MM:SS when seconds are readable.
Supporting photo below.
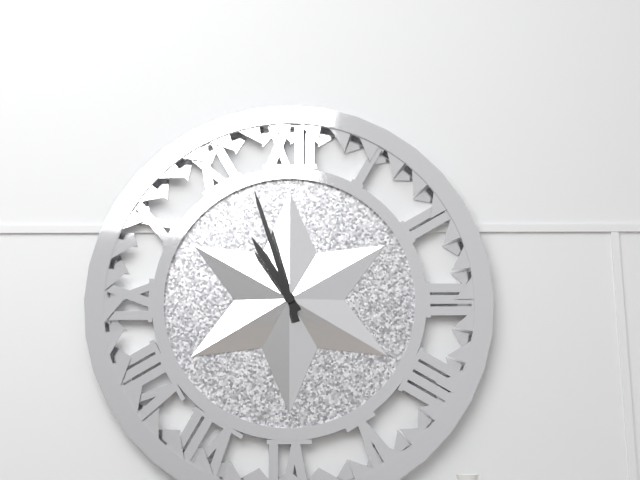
**10:57**
